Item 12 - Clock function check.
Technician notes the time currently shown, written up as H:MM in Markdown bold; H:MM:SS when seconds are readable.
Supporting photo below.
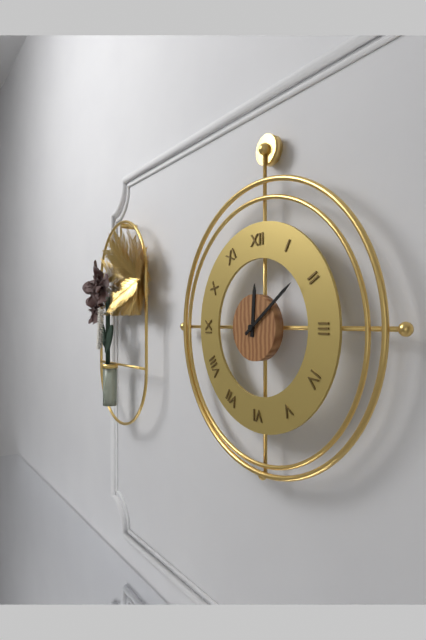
**12:09**
